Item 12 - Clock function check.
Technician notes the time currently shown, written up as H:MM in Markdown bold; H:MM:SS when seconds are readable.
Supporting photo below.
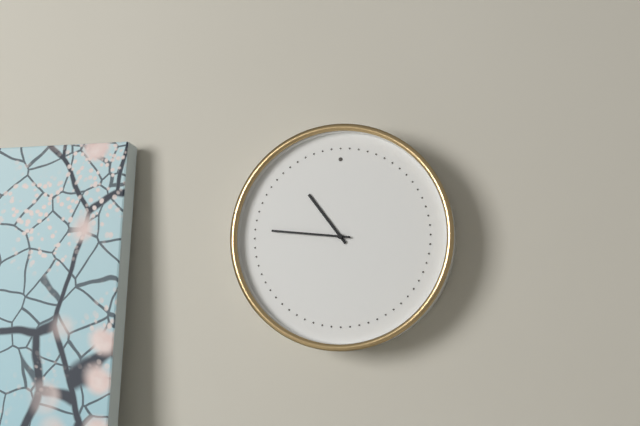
**10:46**
